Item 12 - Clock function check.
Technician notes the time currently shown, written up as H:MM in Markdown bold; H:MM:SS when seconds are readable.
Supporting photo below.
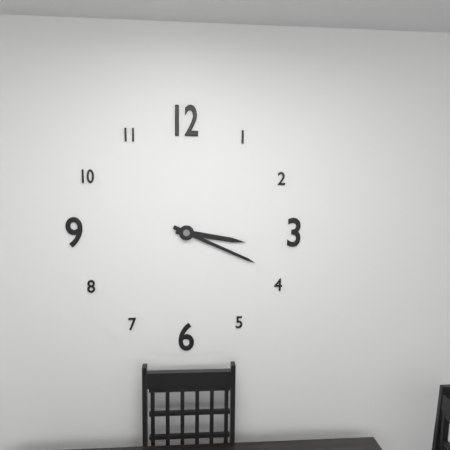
**3:19**
